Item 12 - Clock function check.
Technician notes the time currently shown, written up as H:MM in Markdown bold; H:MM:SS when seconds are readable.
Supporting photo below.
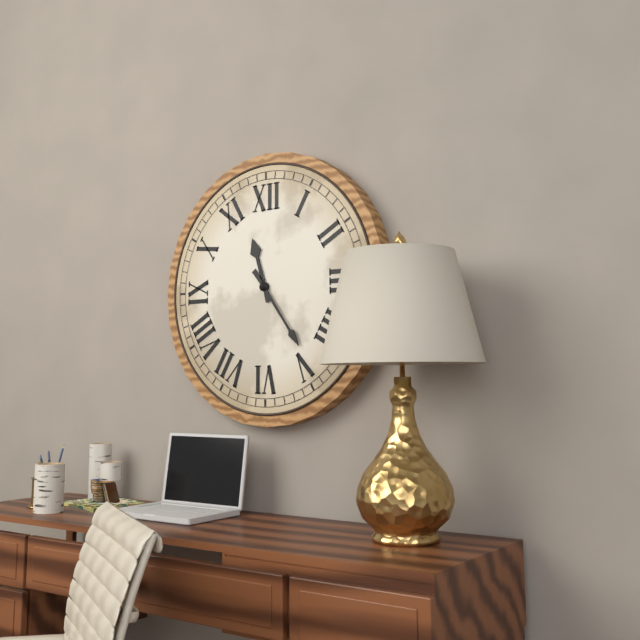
**11:24**
